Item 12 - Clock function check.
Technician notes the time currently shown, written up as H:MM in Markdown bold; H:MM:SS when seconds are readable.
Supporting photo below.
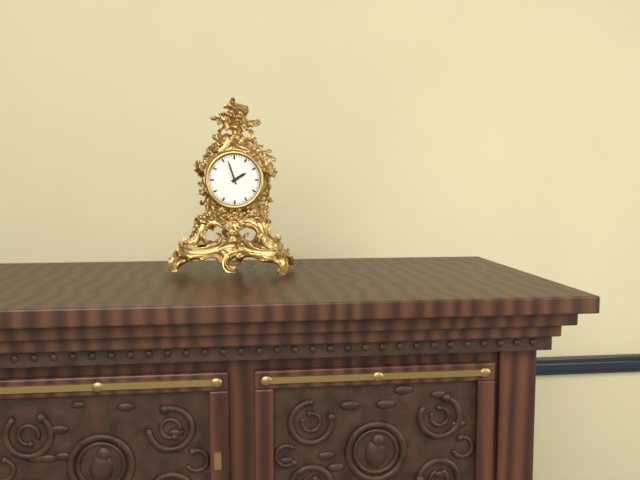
**1:57**
